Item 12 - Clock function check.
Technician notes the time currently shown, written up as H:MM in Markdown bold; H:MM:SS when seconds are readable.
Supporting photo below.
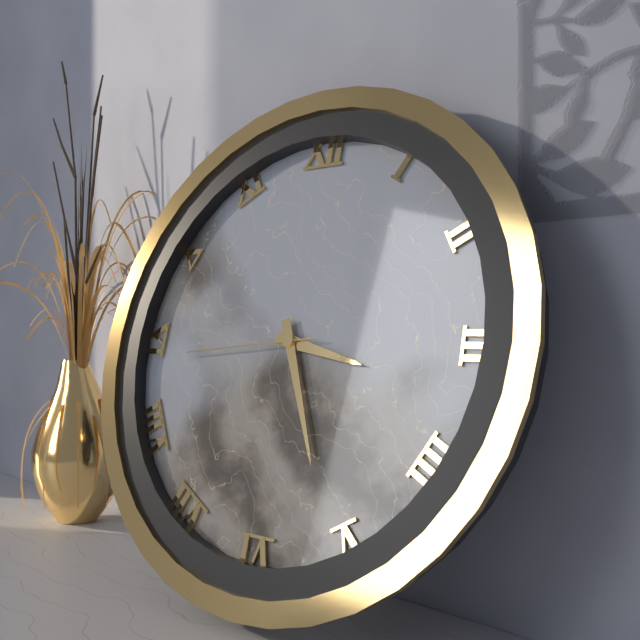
**3:26:44**
